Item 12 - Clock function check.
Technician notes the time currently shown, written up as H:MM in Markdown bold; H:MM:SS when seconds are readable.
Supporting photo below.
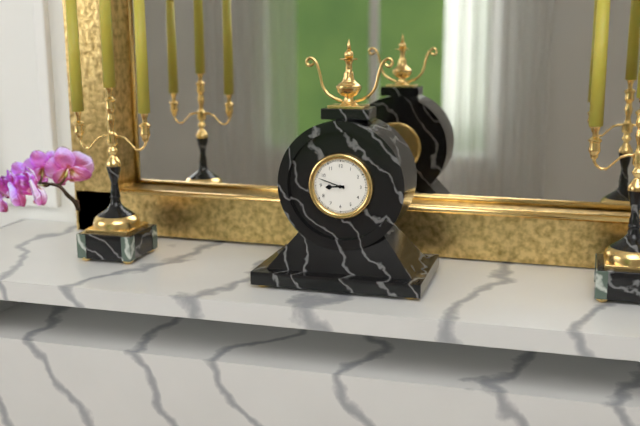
**8:48**
